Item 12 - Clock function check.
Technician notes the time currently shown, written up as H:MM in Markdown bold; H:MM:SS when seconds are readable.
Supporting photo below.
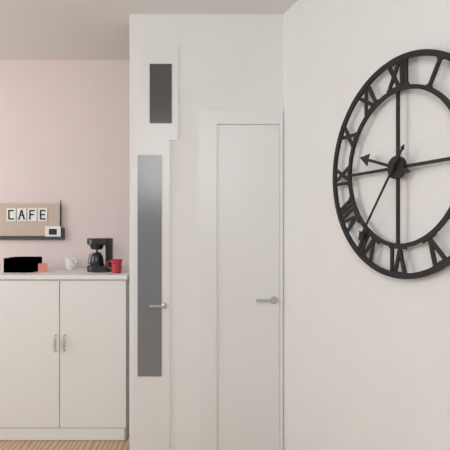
**9:36**
